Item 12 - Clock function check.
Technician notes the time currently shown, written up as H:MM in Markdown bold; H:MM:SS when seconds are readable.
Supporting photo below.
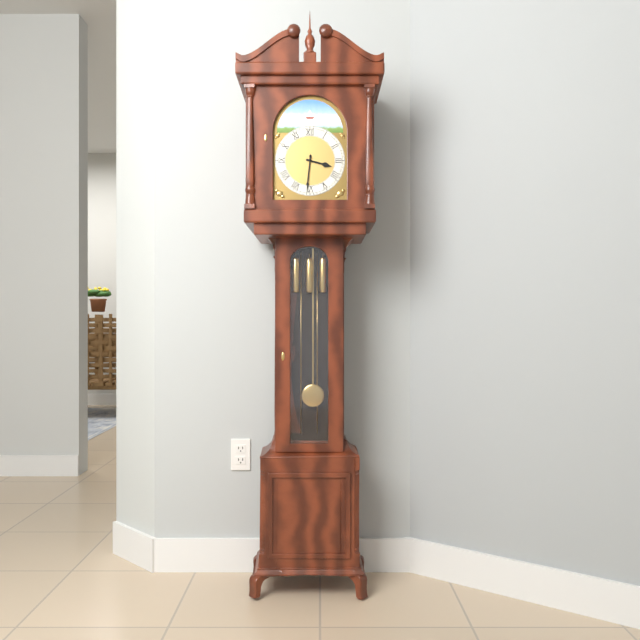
**3:31**
